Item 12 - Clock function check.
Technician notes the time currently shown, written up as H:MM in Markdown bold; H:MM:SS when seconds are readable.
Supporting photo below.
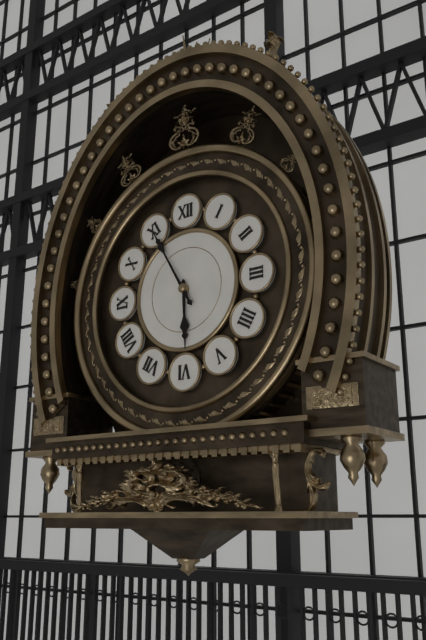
**5:55**
